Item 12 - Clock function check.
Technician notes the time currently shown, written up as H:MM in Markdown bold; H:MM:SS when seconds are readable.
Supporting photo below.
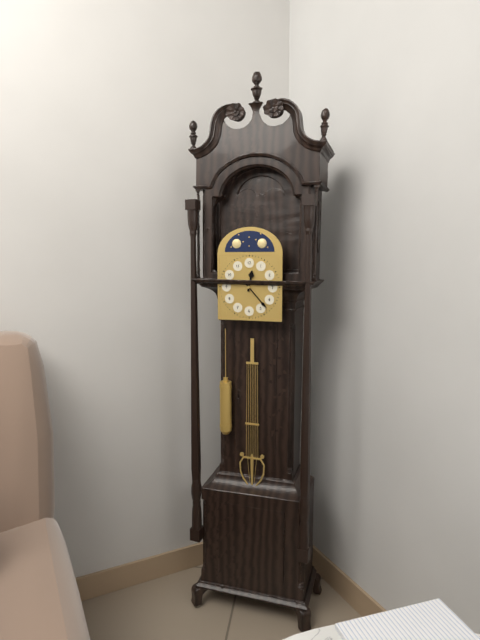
**12:23**
